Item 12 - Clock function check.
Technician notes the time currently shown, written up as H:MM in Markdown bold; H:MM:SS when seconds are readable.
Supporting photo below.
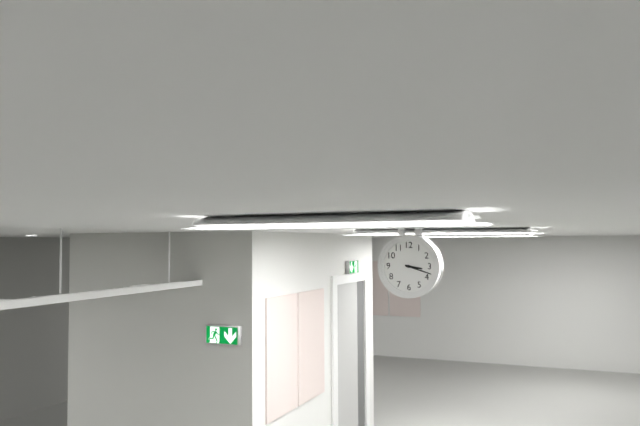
**3:18**
